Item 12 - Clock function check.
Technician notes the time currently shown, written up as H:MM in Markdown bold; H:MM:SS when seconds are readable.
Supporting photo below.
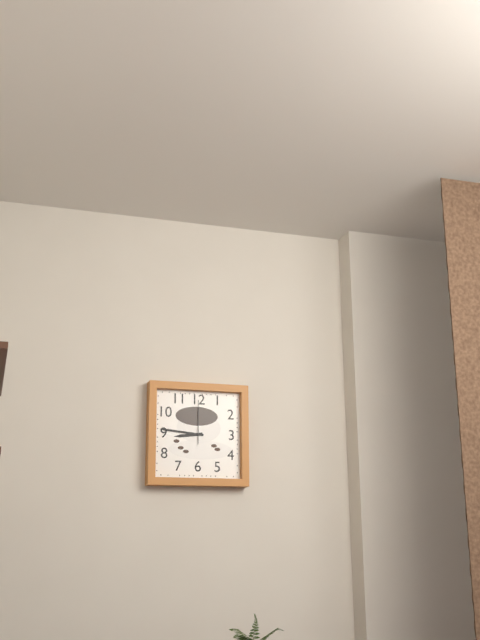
**8:46**
